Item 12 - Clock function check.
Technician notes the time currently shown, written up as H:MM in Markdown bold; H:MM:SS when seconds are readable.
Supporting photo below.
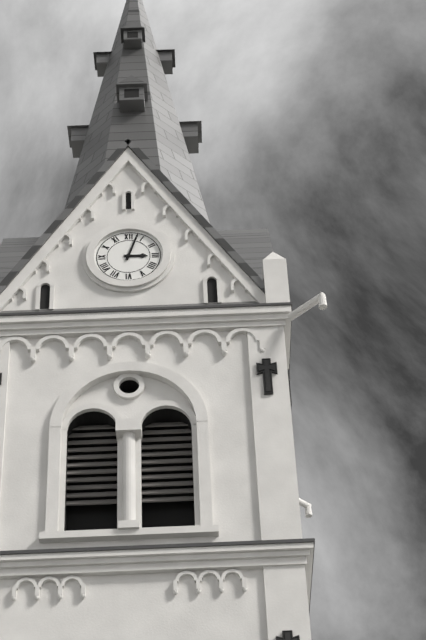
**3:03**
